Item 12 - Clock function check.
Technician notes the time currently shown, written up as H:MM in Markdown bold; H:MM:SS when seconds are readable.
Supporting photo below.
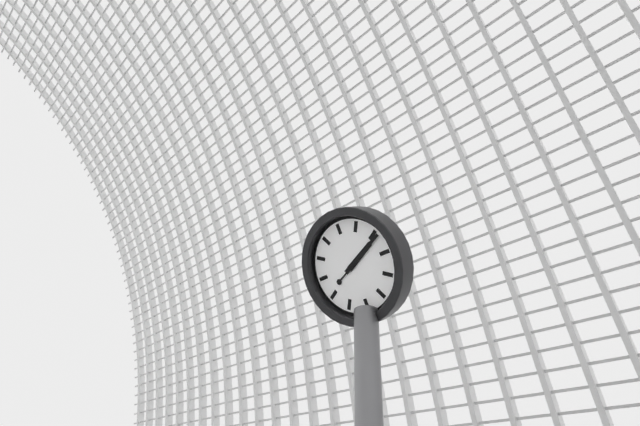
**2:11**
